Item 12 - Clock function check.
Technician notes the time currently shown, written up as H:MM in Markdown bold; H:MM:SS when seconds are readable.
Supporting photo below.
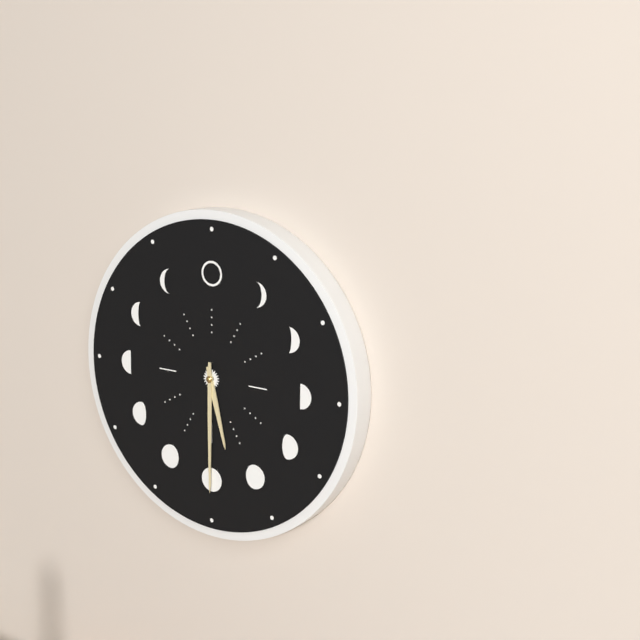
**5:30**
